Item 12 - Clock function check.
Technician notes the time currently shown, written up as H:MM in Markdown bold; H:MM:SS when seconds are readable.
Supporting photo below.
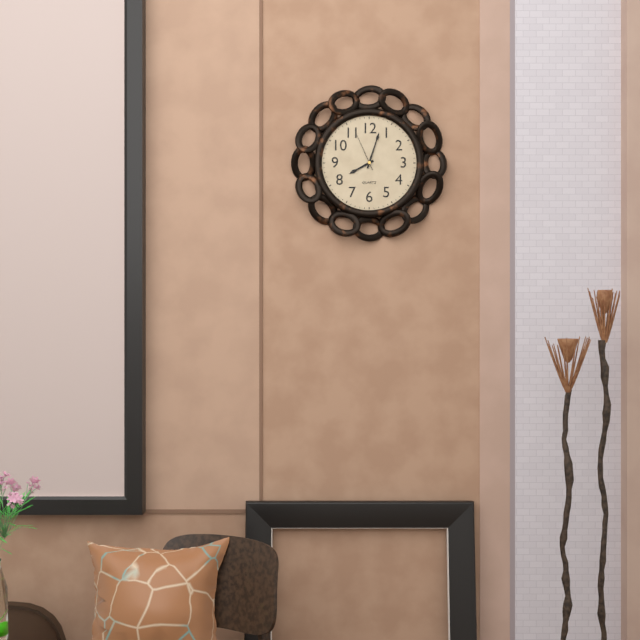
**8:03**
